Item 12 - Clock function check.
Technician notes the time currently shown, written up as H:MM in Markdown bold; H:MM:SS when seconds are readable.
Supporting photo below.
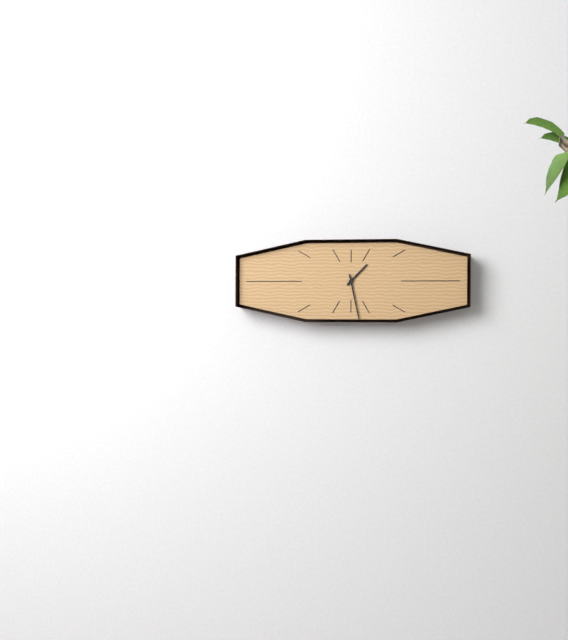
**1:28**
